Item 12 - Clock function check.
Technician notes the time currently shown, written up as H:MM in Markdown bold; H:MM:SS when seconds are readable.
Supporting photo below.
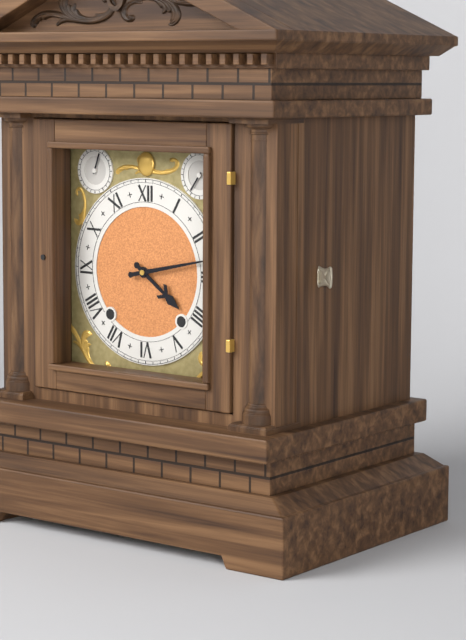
**4:13**
